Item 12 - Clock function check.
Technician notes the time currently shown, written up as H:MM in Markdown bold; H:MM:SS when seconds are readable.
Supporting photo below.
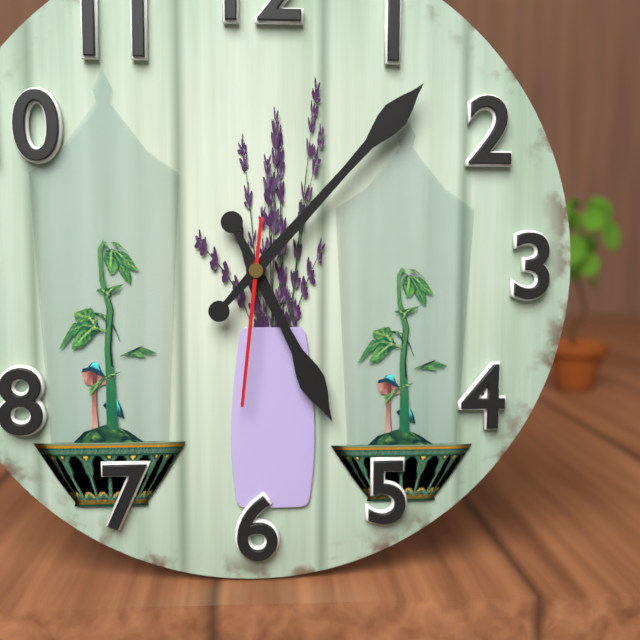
**5:07:31**
